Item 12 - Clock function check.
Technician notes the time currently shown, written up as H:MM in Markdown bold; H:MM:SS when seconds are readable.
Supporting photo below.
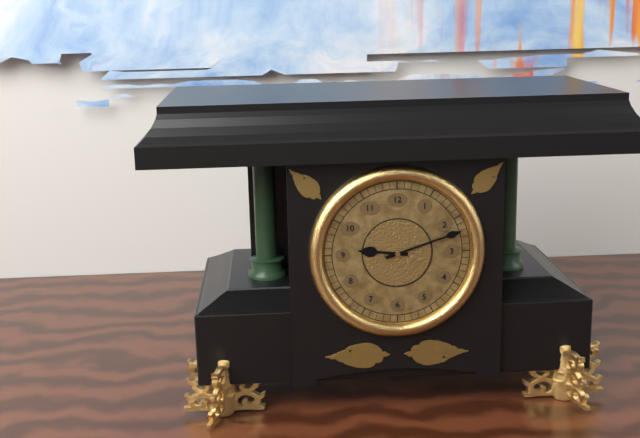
**9:12**
